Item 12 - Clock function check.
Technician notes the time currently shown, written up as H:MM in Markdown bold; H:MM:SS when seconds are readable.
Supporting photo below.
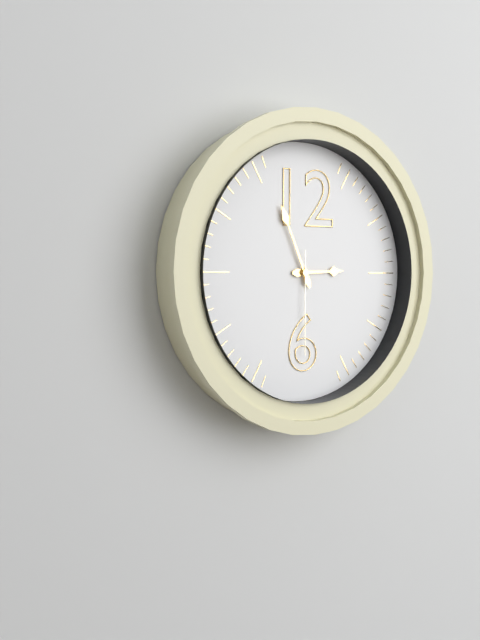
**2:56:30**
